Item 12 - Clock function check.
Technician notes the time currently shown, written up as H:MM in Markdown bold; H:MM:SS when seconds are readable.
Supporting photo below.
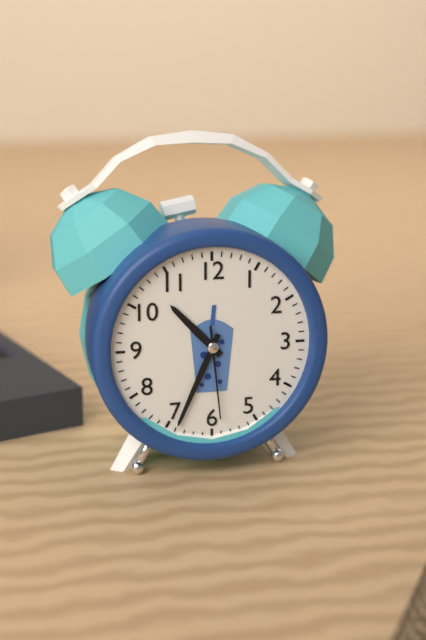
**10:34:29**
